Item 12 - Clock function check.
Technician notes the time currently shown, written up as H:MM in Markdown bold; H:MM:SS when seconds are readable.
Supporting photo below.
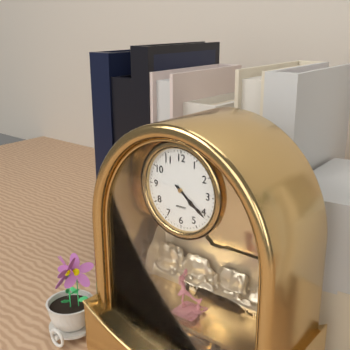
**4:21**
